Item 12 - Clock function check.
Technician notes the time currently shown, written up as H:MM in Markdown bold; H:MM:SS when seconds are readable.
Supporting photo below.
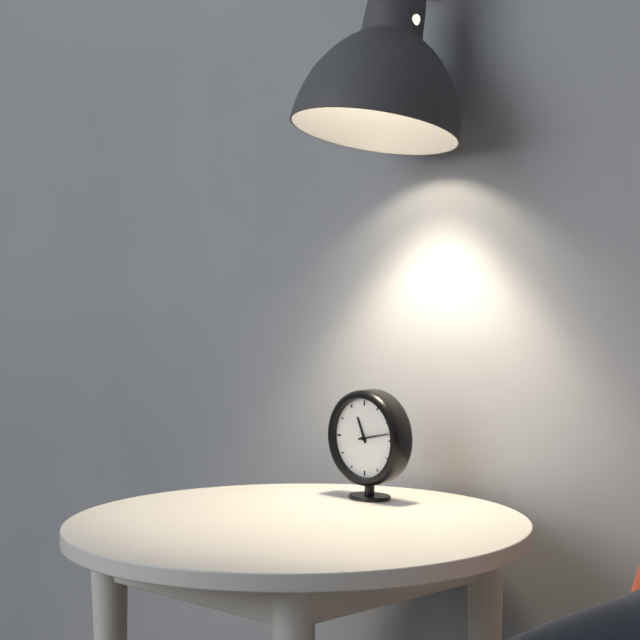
**11:13**
